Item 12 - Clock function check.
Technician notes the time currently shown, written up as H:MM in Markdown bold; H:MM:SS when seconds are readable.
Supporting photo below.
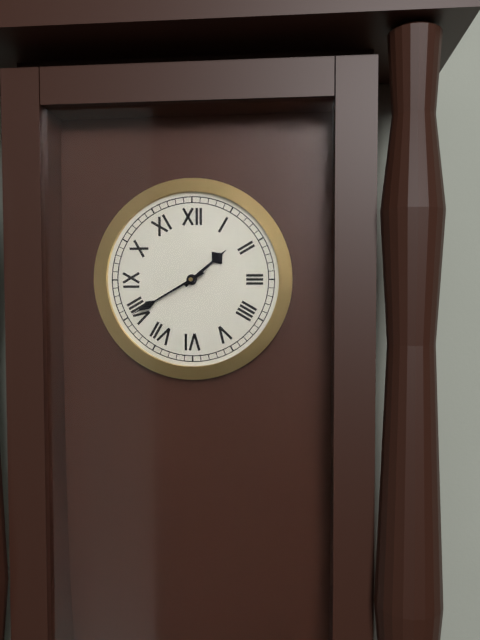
**1:40**
